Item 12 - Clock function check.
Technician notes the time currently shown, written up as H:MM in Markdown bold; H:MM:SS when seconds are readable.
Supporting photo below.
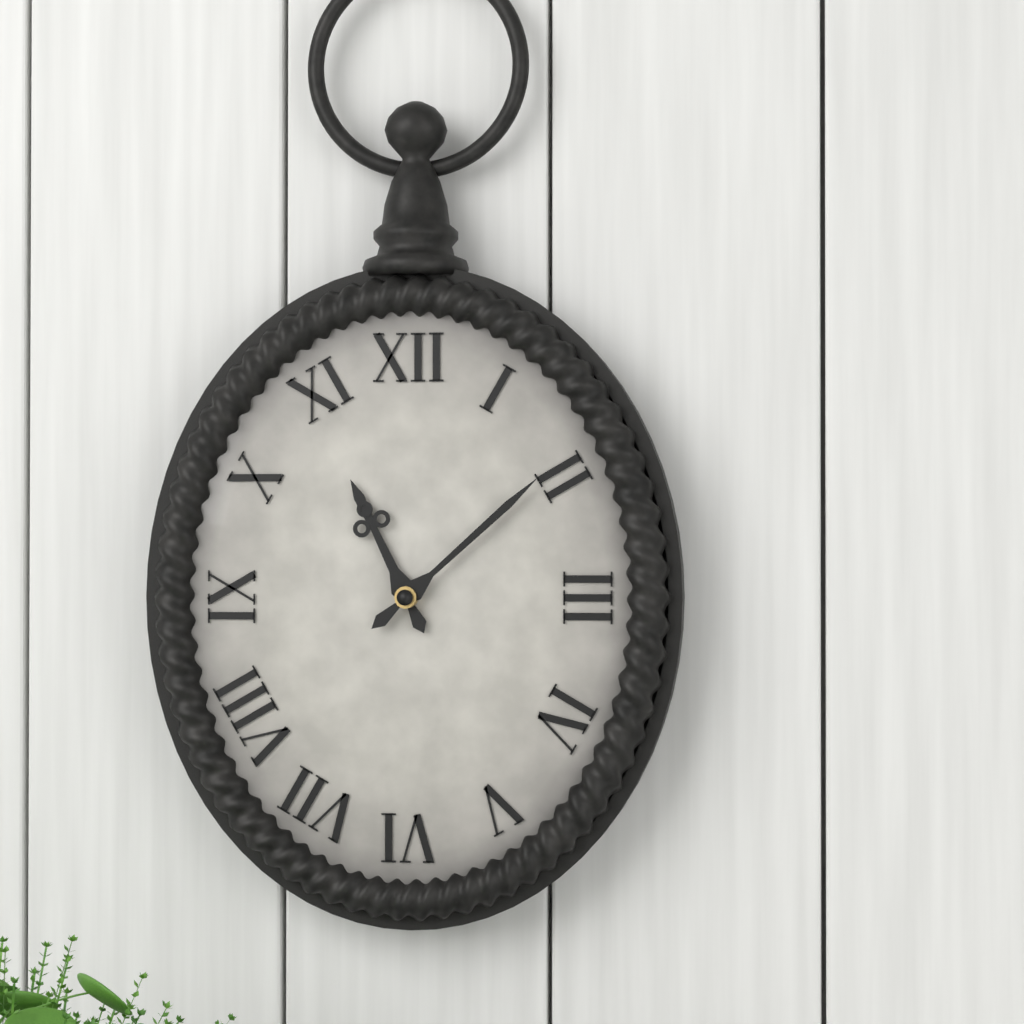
**11:08**
